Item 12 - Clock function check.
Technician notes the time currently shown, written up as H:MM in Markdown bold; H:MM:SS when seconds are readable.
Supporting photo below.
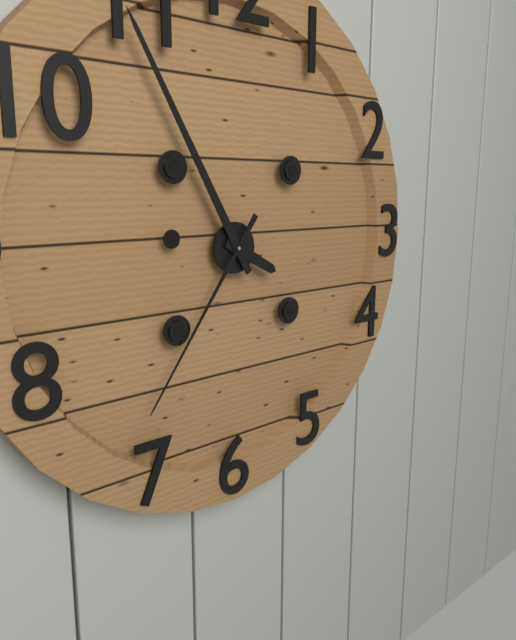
**3:55:36**
